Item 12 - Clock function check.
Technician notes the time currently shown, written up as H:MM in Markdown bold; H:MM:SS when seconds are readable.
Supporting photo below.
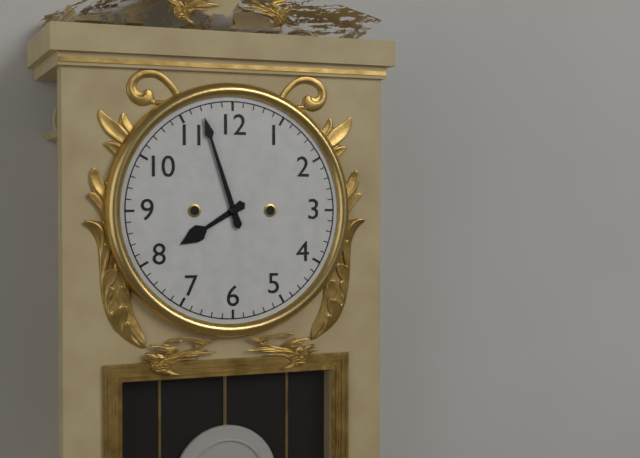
**7:57**
